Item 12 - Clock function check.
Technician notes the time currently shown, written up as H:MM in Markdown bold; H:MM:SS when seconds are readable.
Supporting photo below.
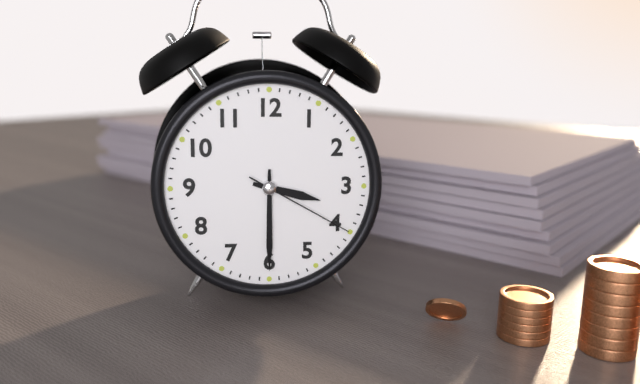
**3:30:20**
